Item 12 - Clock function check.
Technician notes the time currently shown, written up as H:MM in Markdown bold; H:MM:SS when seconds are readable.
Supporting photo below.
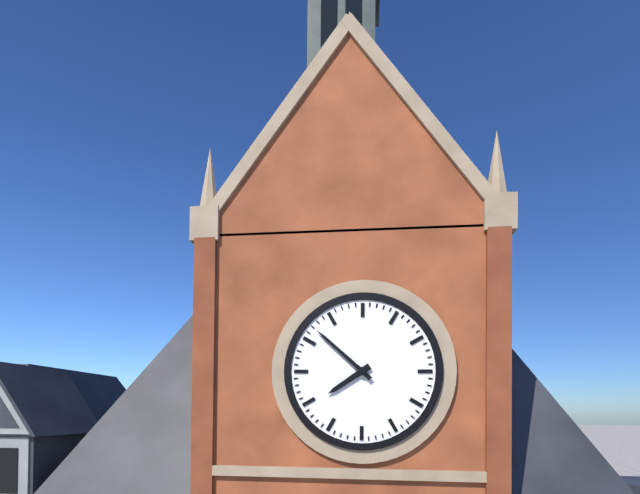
**7:52**
